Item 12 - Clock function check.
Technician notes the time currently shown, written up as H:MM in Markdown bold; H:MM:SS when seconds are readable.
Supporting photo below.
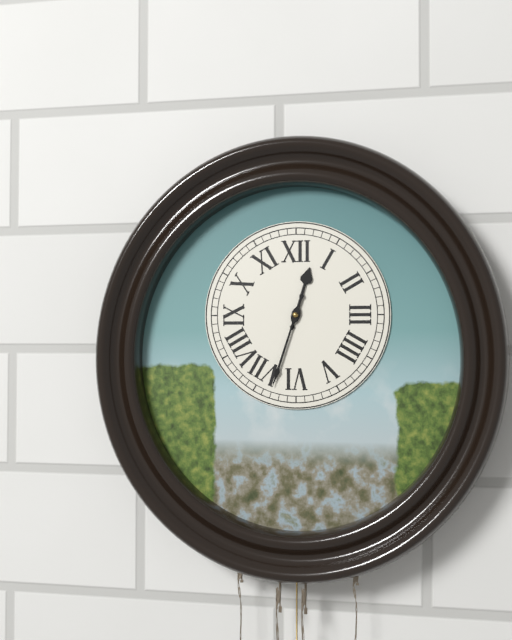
**12:33**
